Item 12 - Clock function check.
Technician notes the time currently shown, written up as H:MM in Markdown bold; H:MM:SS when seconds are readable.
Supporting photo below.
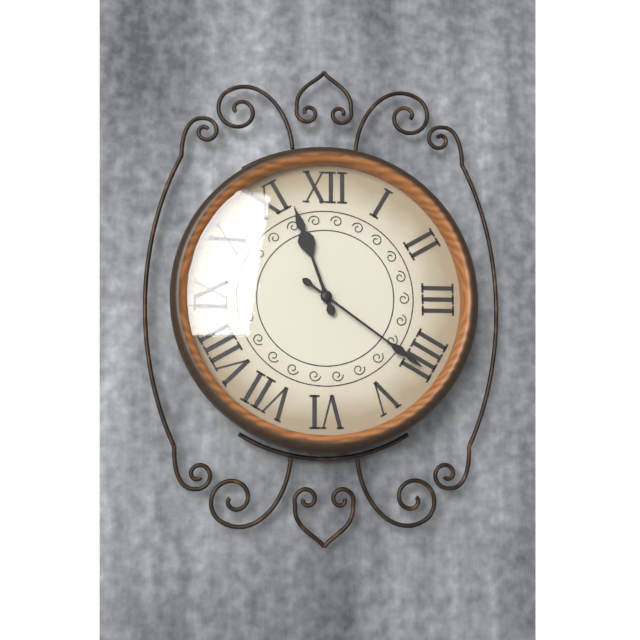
**11:21**
